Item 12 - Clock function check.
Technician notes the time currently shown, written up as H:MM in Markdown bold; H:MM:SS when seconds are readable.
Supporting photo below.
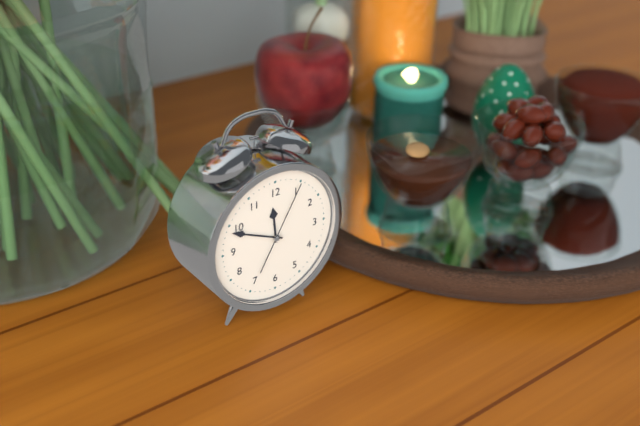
**11:49:05**
